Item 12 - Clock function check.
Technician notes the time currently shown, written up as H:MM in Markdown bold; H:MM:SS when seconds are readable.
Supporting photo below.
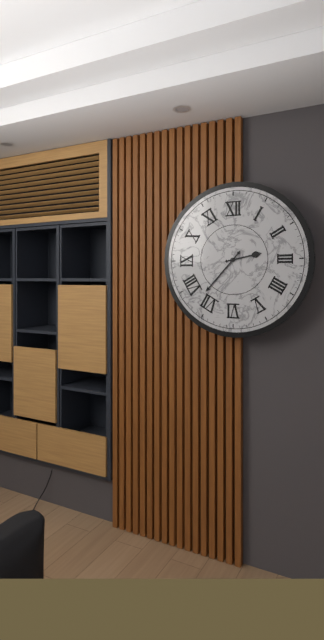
**2:37**
